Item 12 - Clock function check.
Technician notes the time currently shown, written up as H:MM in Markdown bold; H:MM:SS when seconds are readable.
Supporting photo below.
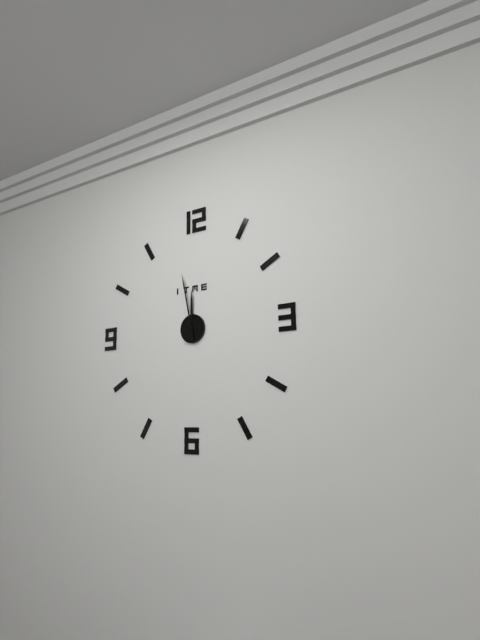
**11:58**
